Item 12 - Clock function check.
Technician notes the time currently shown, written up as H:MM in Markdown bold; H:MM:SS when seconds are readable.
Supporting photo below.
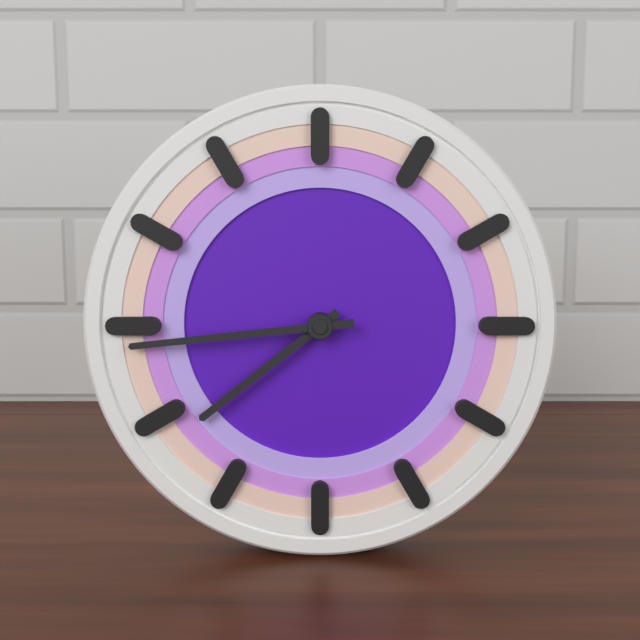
**7:44**
